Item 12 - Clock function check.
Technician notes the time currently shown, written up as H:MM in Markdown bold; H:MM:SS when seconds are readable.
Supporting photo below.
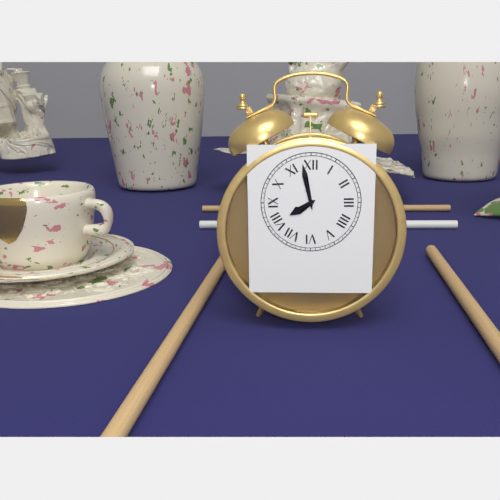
**7:58**
